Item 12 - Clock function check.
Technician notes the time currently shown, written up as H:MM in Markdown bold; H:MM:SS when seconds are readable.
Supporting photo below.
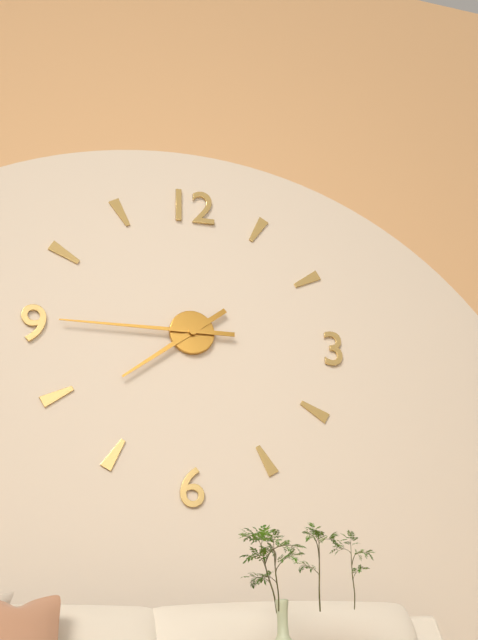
**7:45**
